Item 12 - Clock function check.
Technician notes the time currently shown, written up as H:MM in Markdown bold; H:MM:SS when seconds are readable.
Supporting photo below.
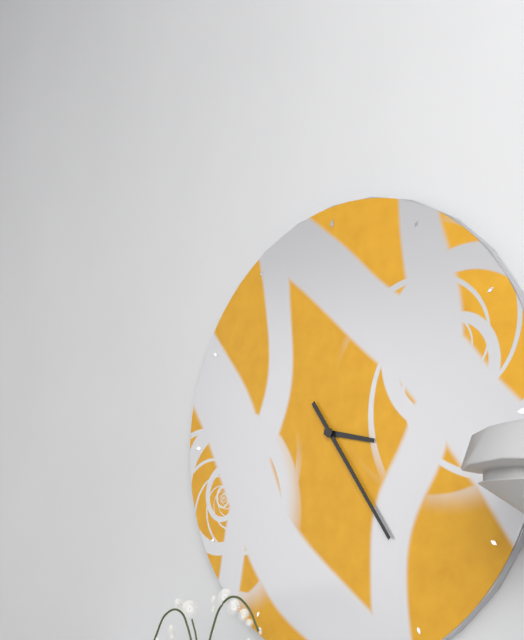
**3:24**
